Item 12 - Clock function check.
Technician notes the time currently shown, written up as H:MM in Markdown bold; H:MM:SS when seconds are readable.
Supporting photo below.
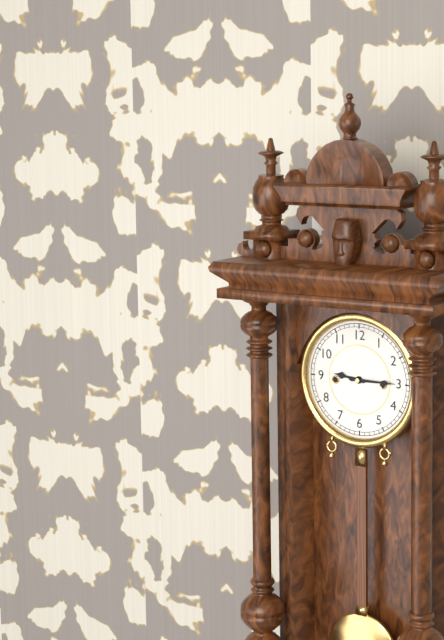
**9:15**
